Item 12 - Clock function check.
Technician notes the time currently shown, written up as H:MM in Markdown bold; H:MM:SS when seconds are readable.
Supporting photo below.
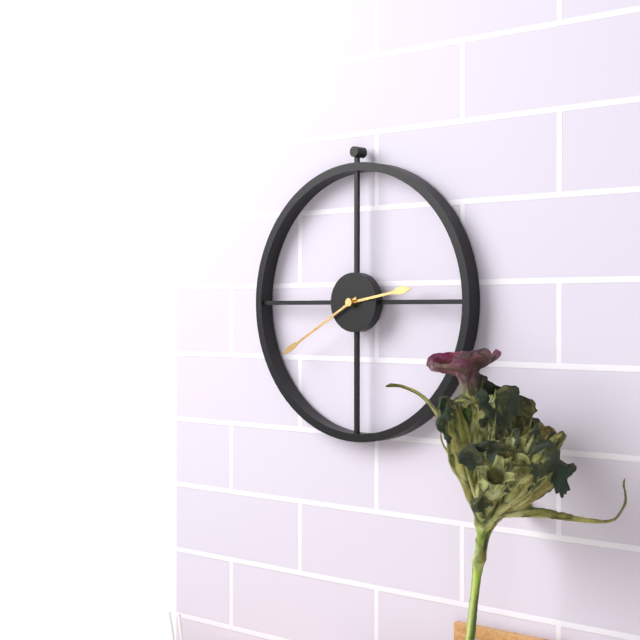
**2:40**
